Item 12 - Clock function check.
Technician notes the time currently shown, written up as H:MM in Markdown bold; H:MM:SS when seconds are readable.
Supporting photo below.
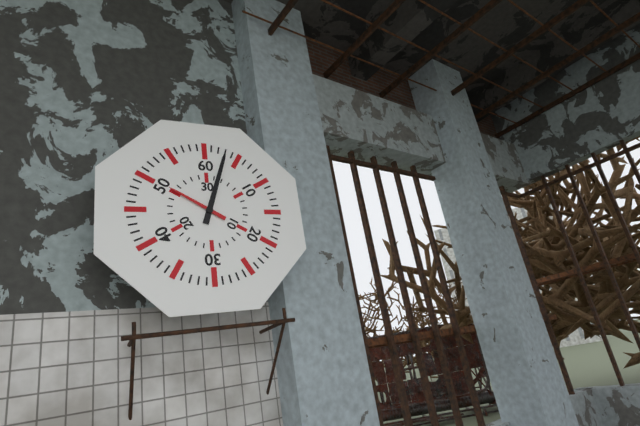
**10:03**
